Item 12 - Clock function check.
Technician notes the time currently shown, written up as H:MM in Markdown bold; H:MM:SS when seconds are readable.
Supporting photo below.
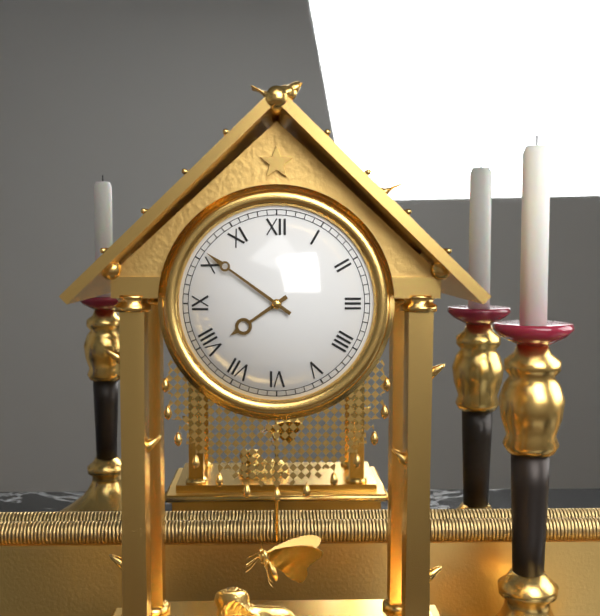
**7:51**
